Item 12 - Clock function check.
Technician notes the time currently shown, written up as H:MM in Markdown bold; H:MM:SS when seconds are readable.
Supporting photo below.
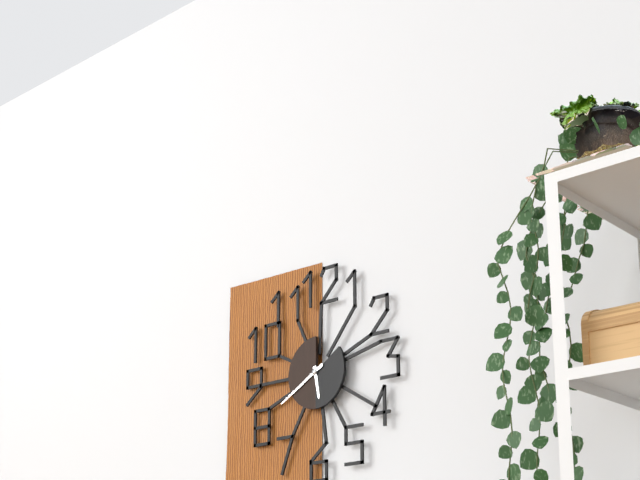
**5:40**
